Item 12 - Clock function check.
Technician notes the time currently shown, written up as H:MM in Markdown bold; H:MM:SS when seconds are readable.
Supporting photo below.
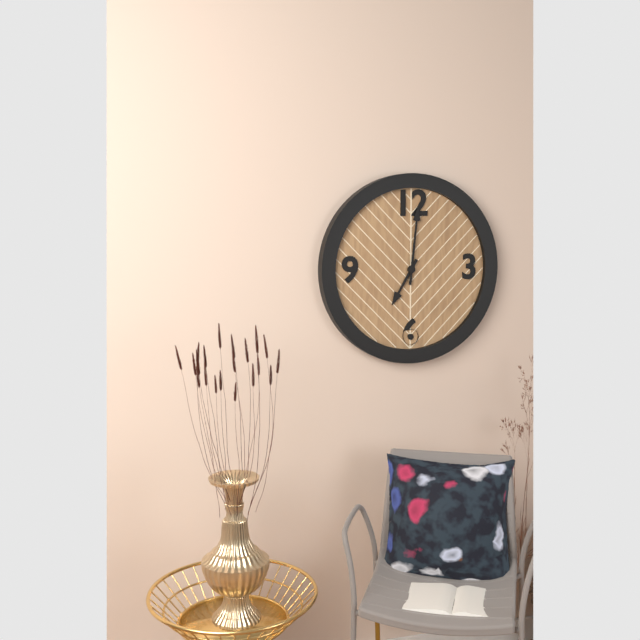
**7:01**
